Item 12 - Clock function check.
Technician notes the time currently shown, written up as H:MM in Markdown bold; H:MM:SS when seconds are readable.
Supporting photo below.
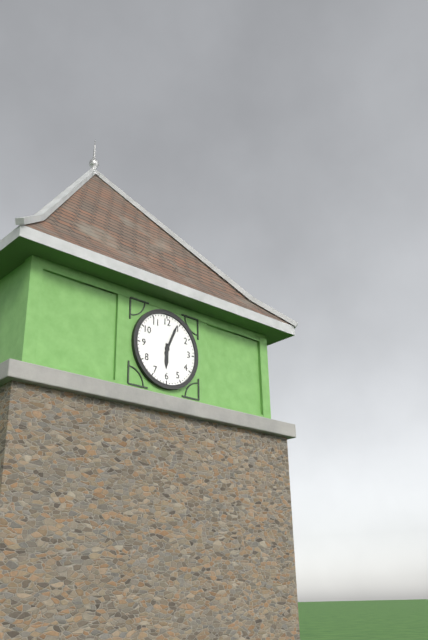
**6:04**
